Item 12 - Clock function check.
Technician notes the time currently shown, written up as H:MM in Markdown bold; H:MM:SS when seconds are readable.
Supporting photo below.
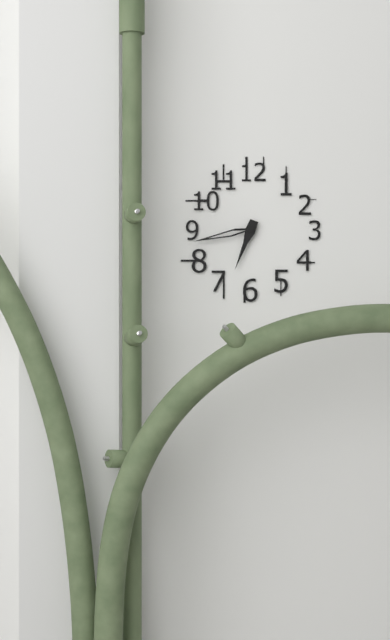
**6:43**
